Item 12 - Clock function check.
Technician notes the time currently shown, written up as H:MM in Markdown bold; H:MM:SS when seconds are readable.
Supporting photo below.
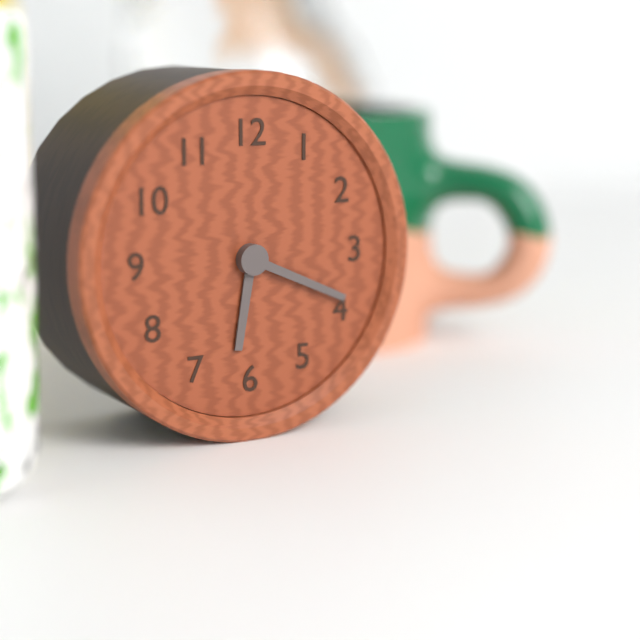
**6:19**
